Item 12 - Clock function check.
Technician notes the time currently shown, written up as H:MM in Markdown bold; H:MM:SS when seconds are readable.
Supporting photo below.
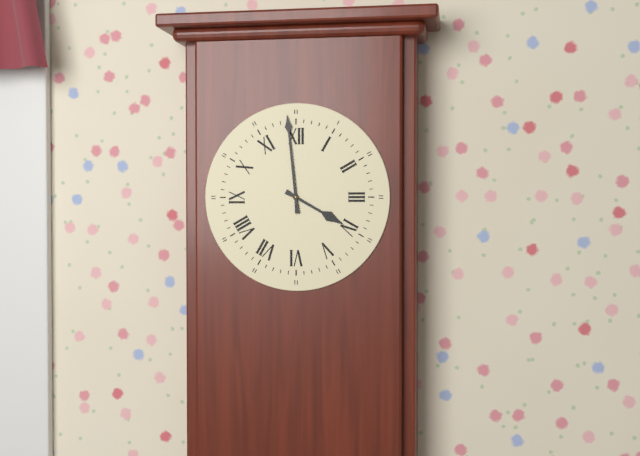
**3:59**
